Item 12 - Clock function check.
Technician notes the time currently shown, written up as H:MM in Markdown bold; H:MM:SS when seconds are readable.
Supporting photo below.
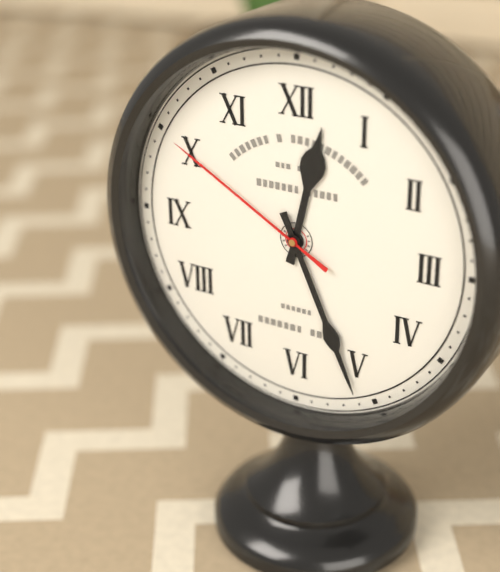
**12:26:50**
